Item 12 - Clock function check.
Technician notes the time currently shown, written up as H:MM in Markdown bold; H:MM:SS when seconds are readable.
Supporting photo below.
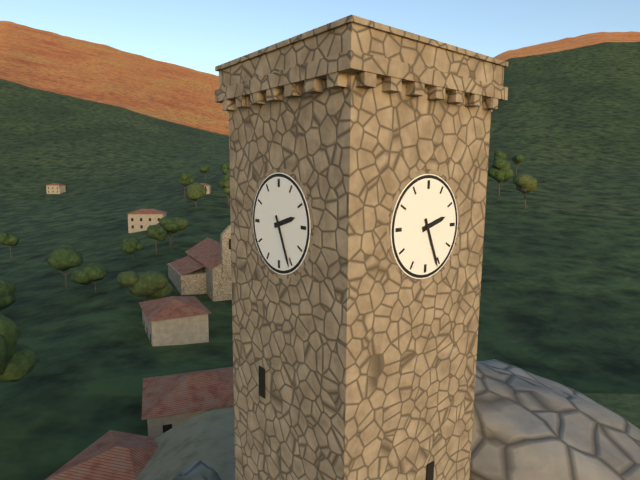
**2:26**
